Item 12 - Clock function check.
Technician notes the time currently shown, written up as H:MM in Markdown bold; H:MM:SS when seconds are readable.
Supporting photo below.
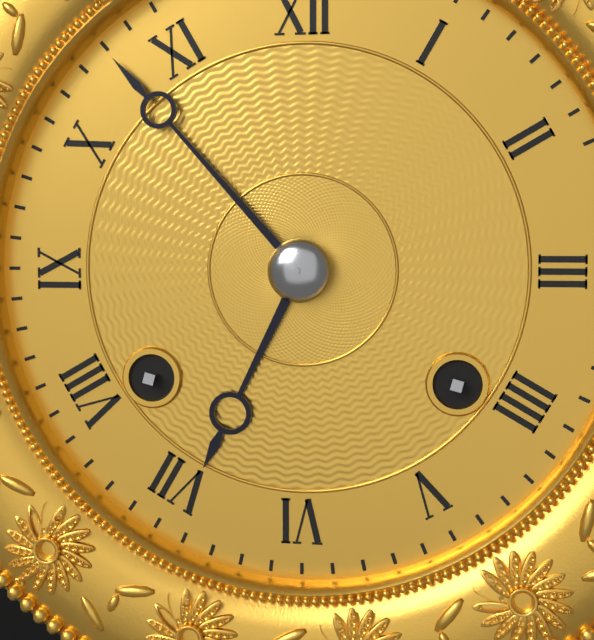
**6:53**
